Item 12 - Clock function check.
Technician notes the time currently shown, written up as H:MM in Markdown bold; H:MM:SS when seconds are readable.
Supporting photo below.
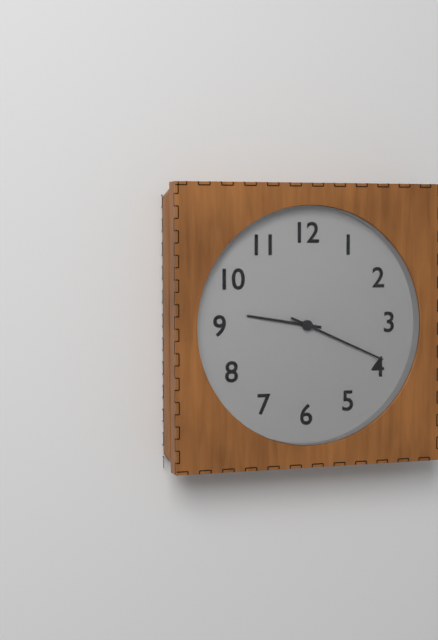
**9:19**
